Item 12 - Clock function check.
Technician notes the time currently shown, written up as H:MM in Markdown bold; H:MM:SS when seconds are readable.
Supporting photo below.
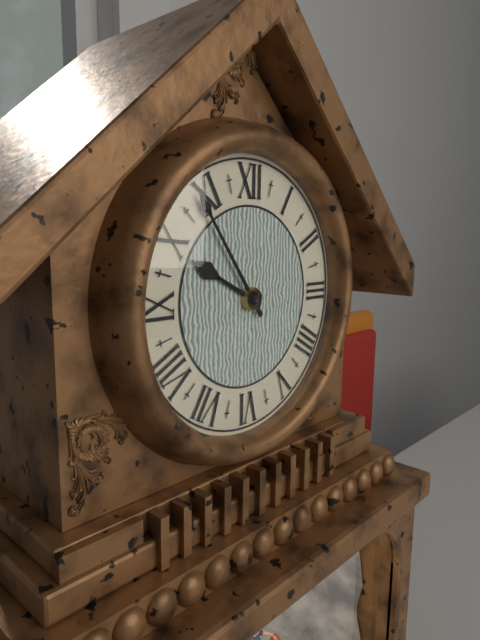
**9:54**
